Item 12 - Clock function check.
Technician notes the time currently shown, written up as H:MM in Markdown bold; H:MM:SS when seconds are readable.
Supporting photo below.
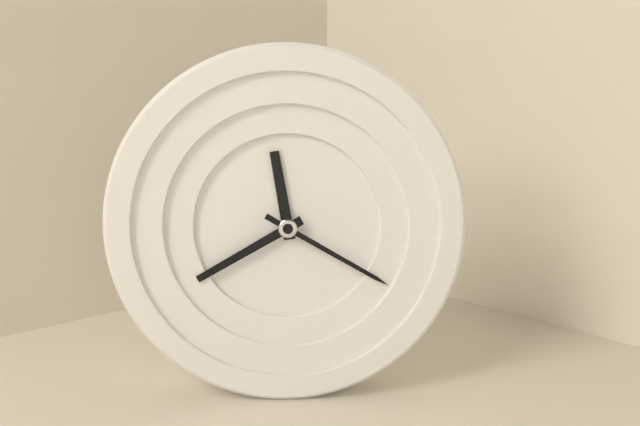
**11:40:20**
